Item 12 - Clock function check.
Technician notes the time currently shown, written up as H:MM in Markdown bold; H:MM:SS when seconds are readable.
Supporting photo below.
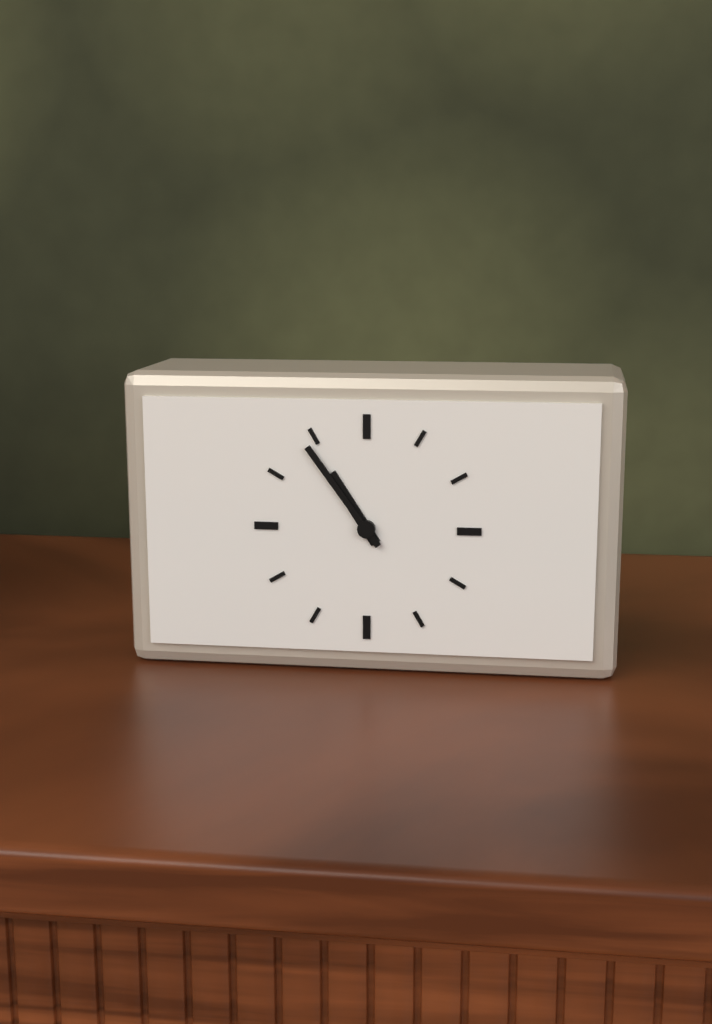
**10:54**
